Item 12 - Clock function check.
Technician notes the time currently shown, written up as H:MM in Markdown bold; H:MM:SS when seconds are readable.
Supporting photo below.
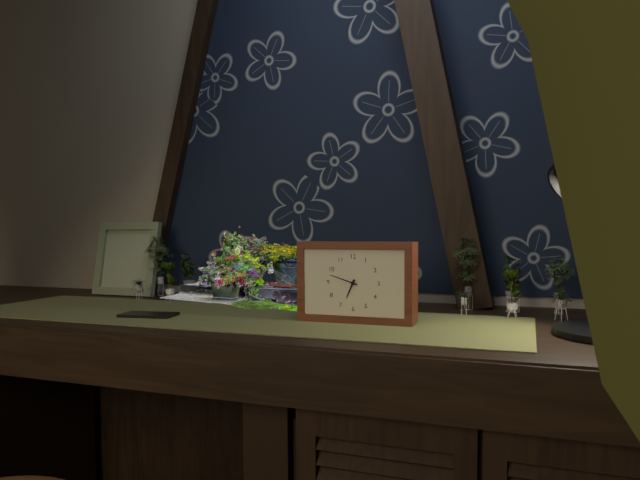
**6:48**
